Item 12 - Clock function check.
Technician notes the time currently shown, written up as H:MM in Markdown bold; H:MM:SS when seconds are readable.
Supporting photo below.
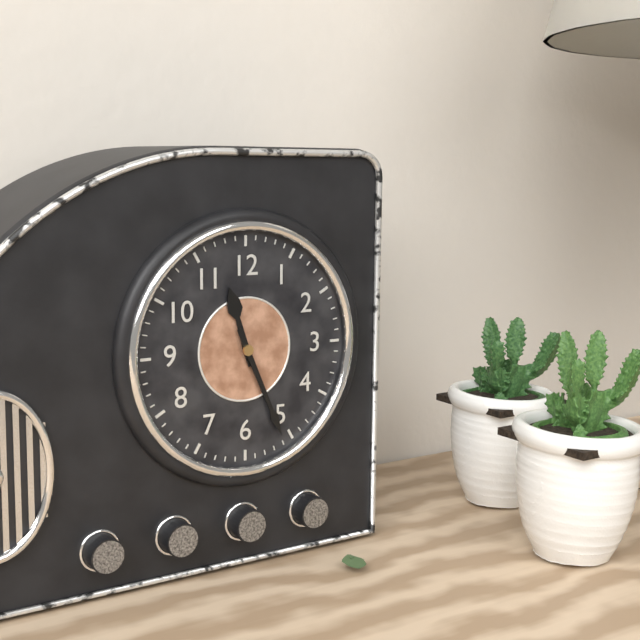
**11:26**
